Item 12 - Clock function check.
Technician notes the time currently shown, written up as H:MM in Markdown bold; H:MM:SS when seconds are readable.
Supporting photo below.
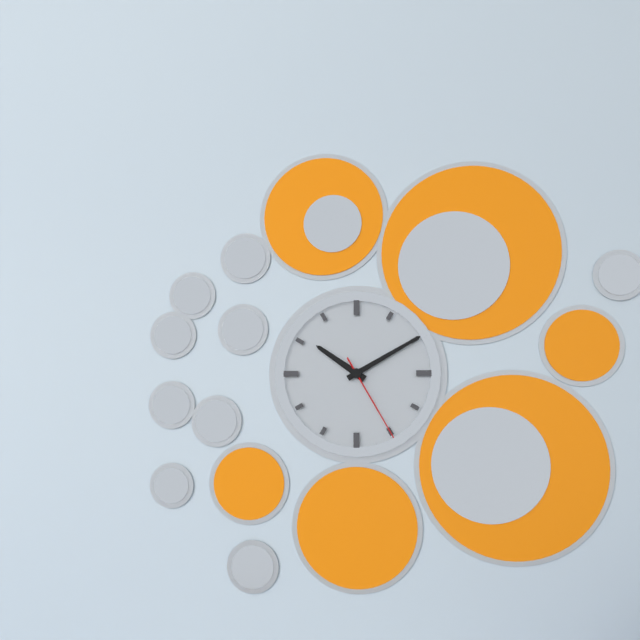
**10:10:25**
